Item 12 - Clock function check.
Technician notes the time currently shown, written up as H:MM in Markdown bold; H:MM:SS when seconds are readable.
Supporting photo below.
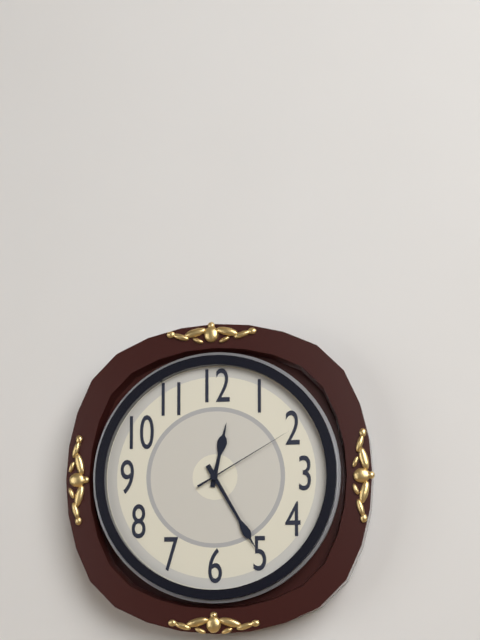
**12:25:10**
